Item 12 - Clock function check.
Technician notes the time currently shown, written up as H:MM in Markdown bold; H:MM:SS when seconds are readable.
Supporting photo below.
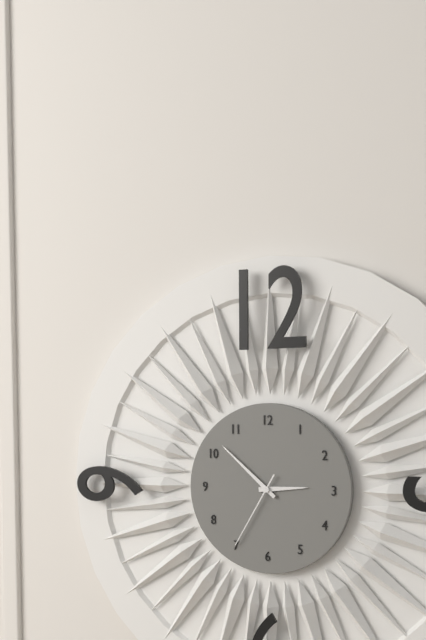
**2:52:35**
